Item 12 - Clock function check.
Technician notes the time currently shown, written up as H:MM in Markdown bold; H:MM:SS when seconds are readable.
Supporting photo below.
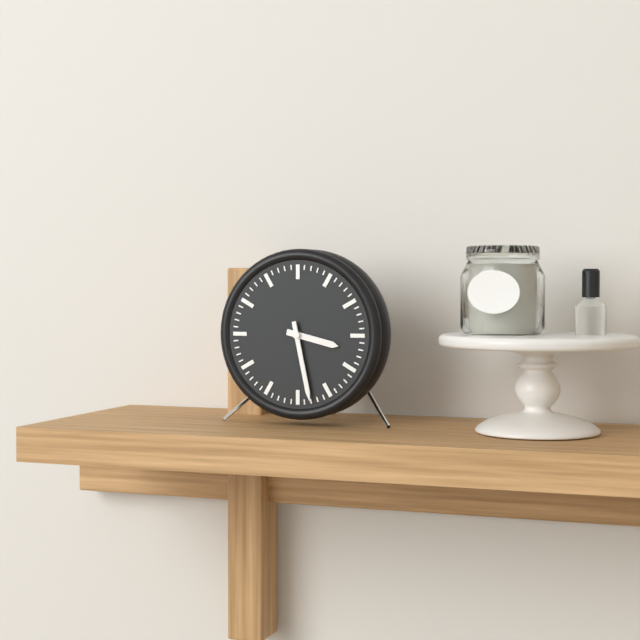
**3:28**
